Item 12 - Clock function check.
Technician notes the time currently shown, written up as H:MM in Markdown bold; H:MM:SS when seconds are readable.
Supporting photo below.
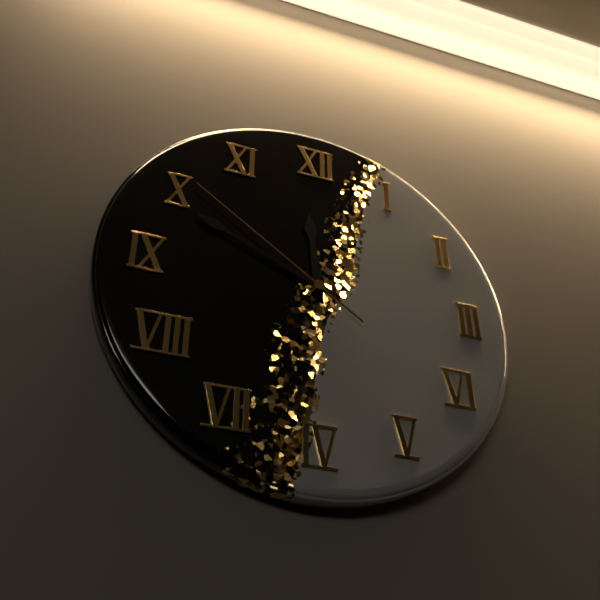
**11:49:51**
